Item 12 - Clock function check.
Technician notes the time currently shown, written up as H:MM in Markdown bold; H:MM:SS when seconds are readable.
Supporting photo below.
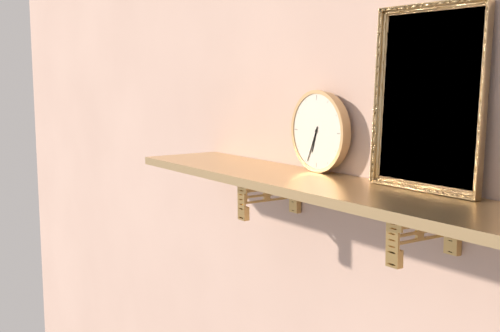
**6:34**
